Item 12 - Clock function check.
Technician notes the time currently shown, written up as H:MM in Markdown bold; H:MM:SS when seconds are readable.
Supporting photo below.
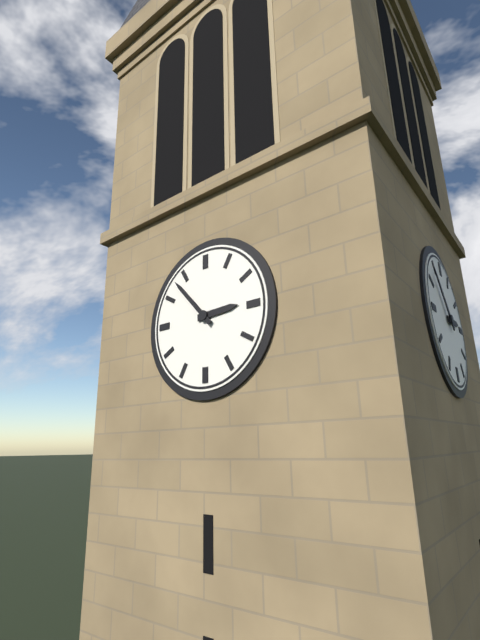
**2:53**
